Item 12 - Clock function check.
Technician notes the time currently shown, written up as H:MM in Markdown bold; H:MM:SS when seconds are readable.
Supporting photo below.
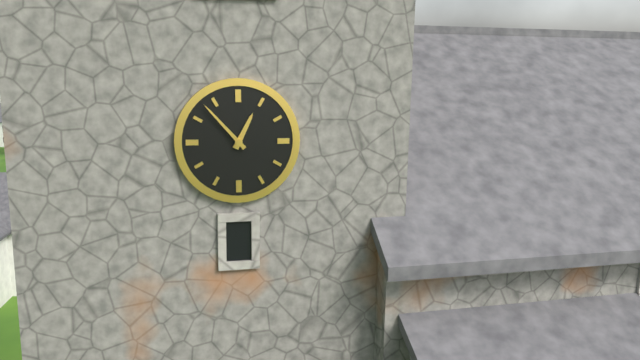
**12:53**
